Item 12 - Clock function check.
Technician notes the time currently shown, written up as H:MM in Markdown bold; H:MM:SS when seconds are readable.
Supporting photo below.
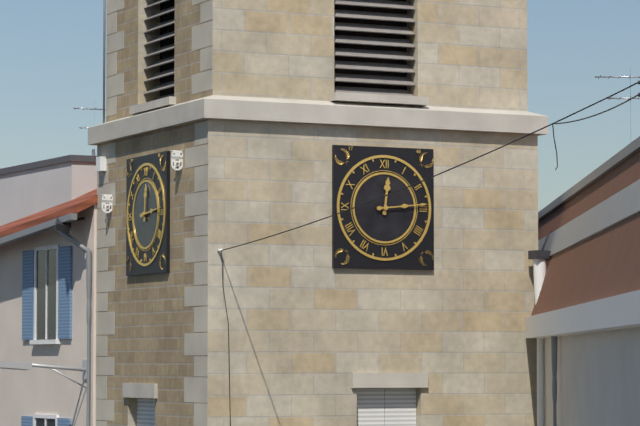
**12:14**
